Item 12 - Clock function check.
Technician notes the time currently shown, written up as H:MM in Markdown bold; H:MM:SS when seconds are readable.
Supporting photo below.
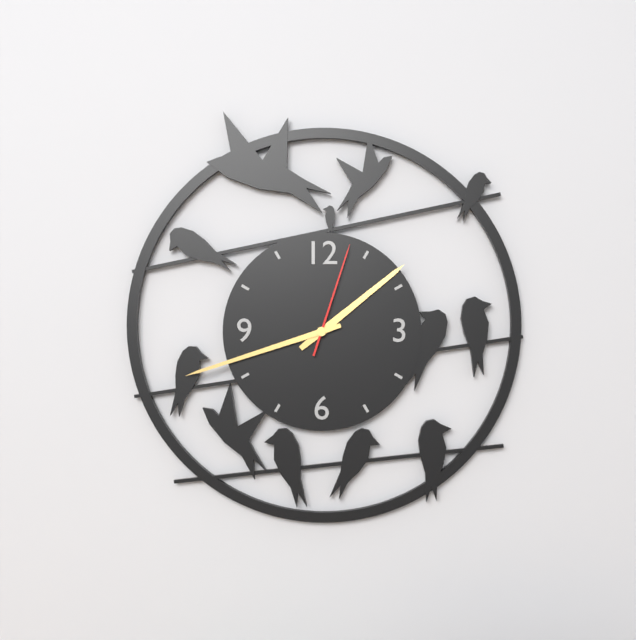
**1:42:03**
